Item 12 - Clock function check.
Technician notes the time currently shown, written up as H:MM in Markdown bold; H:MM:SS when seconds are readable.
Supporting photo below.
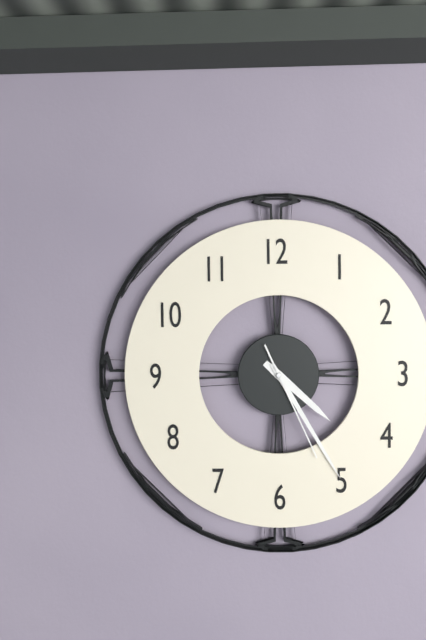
**4:25:26**
